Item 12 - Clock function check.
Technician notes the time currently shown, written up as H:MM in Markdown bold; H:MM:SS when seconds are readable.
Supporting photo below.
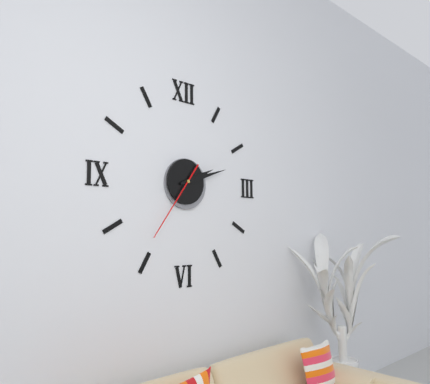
**2:12:36**
